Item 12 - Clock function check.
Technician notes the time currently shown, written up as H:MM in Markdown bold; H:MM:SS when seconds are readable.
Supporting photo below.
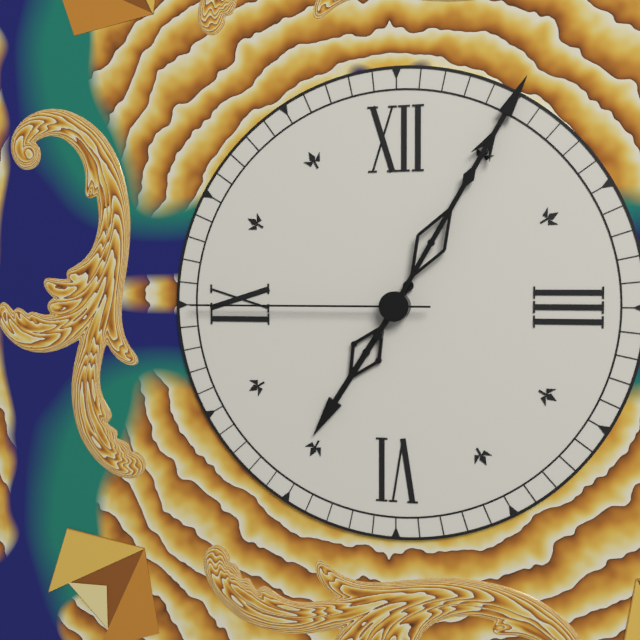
**7:05:45**
